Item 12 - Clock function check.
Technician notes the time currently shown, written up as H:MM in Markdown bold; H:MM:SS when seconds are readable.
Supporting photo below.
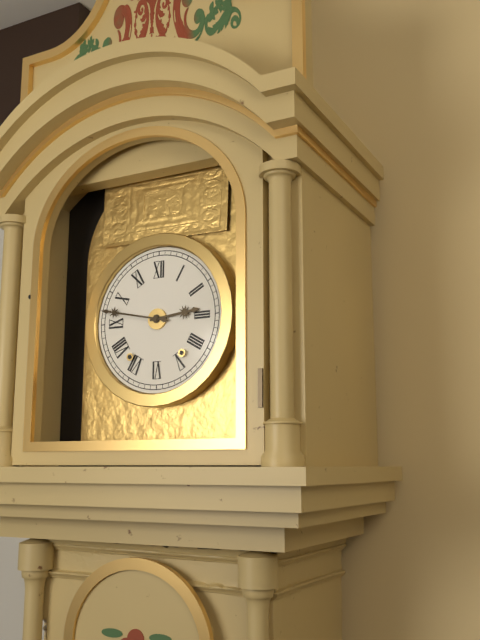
**2:47**
